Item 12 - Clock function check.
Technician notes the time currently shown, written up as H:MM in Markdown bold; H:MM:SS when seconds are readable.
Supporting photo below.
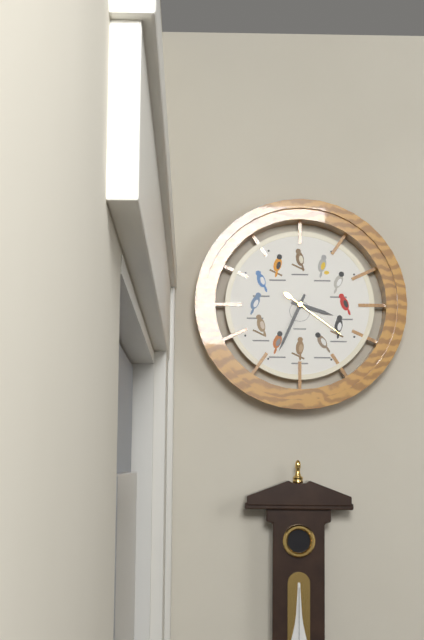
**3:34:21**
